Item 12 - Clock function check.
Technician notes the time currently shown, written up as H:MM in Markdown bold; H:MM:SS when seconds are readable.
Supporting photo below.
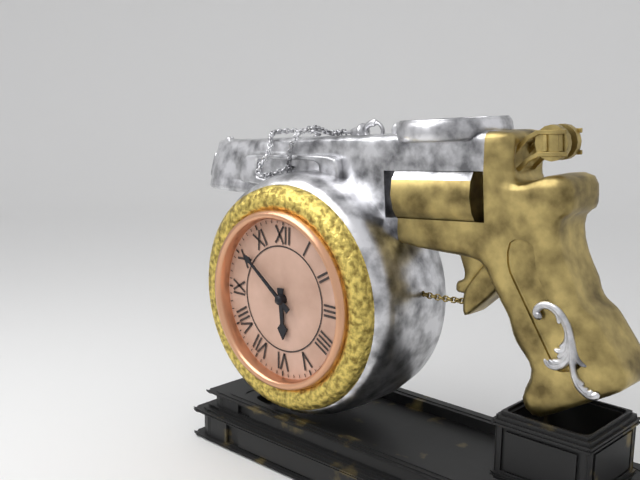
**5:51**
